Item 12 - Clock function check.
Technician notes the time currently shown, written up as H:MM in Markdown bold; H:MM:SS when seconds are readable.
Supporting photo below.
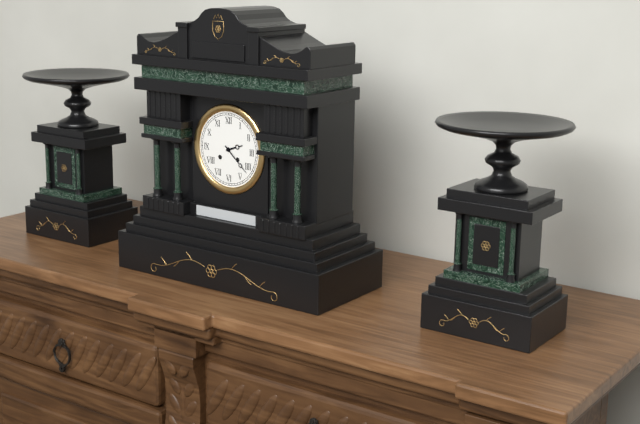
**2:22**
